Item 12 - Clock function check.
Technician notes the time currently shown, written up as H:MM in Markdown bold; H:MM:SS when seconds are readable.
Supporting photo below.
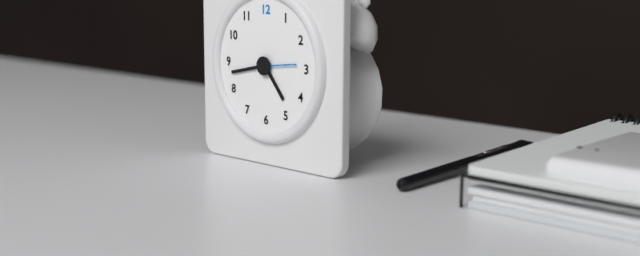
**4:43**
